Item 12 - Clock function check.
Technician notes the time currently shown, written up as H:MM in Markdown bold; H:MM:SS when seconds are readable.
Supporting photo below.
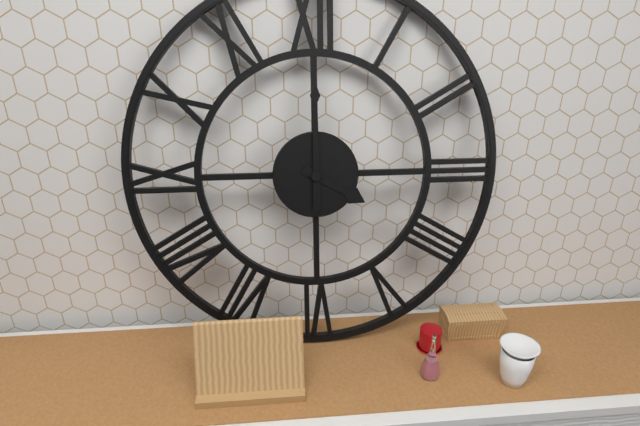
**4:00**
